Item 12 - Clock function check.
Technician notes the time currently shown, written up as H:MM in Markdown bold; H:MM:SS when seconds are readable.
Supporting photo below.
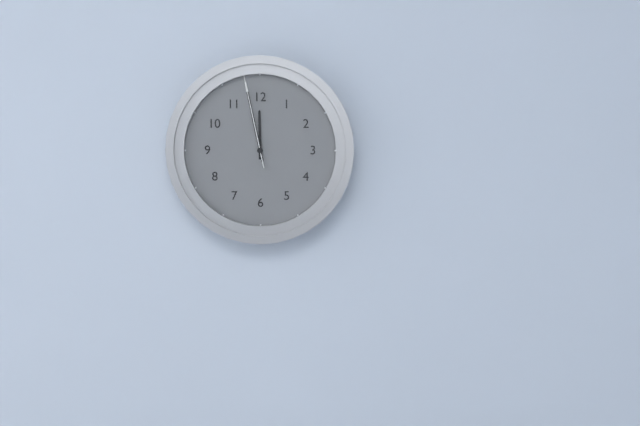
**11:58:58**
